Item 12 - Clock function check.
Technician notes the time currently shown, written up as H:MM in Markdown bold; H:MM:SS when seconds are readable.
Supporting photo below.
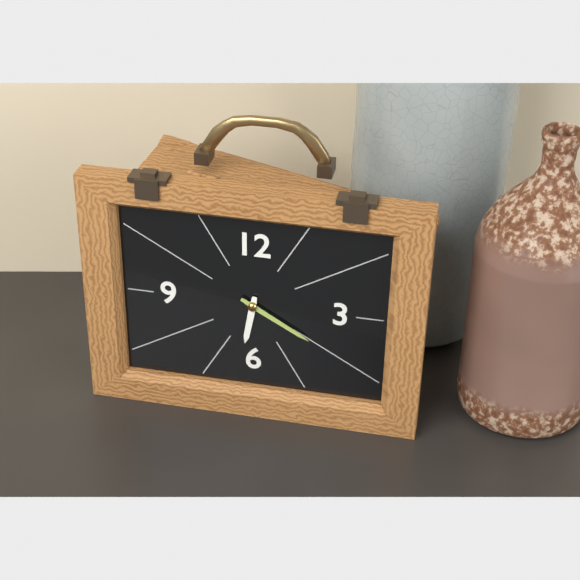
**6:20**
